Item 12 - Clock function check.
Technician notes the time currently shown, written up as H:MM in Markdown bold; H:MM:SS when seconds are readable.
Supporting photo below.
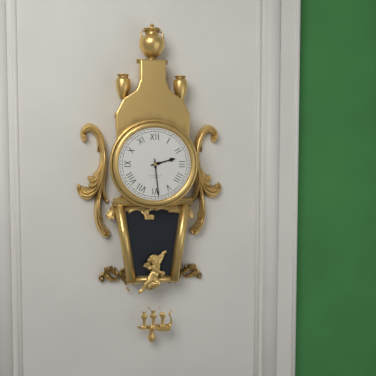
**2:29**
